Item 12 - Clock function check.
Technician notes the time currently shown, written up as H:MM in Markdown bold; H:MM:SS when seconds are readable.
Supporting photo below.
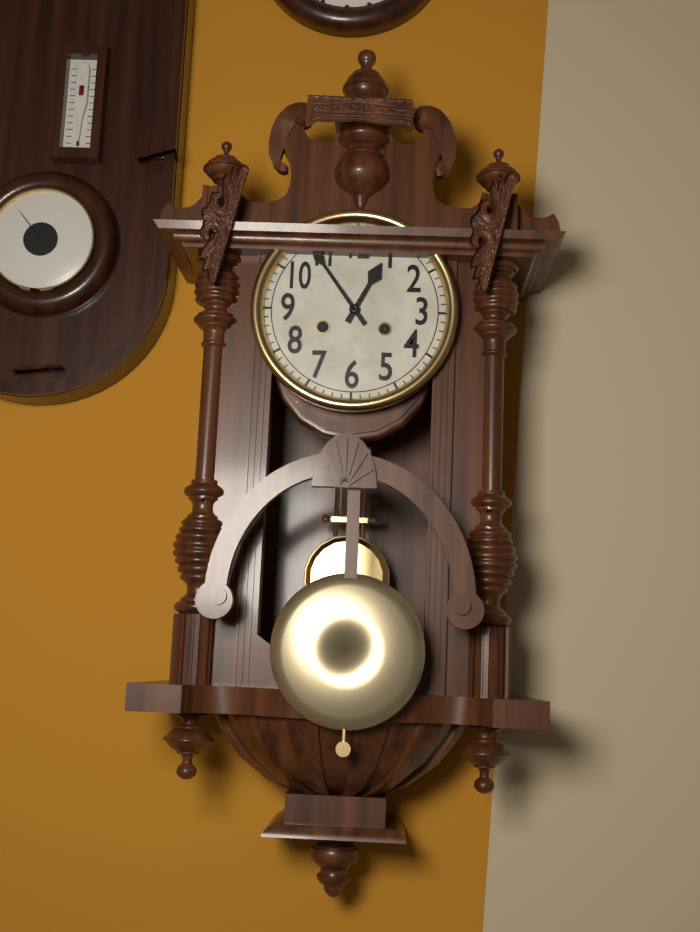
**12:54**
